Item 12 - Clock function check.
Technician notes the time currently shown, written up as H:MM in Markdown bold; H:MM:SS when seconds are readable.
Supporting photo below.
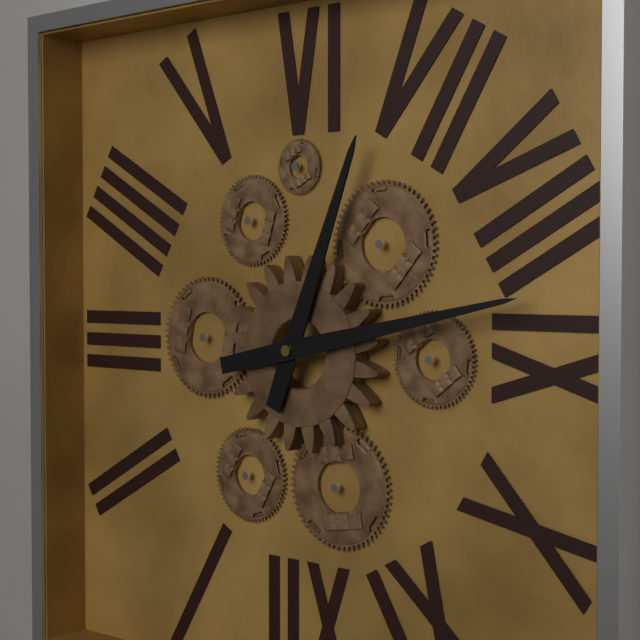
**6:43**
